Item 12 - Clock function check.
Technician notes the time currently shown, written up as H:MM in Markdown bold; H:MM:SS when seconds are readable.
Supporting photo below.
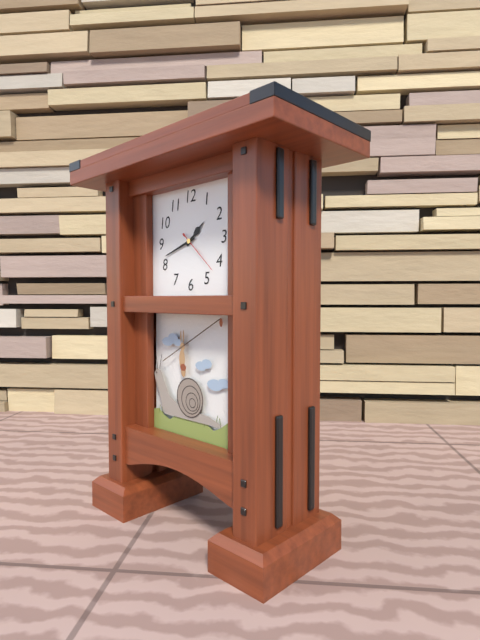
**1:42**
